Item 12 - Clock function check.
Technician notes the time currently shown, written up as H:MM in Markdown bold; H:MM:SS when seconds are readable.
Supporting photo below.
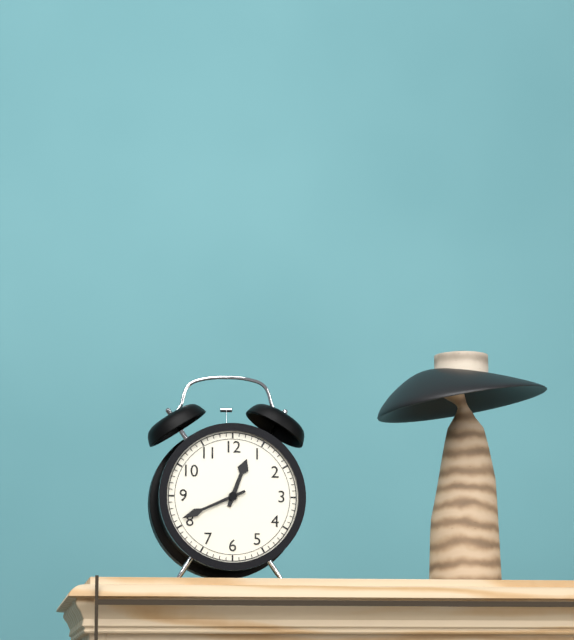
**12:41**
